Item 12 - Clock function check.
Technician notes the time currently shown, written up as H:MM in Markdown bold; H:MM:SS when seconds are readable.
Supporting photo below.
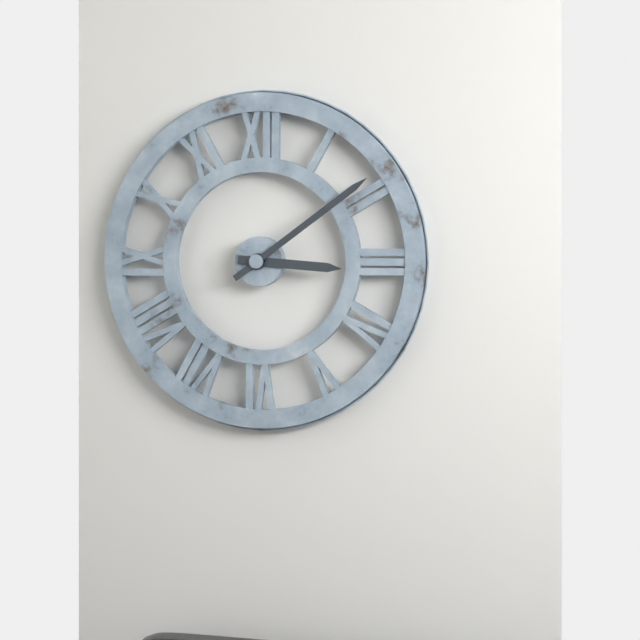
**3:09**
